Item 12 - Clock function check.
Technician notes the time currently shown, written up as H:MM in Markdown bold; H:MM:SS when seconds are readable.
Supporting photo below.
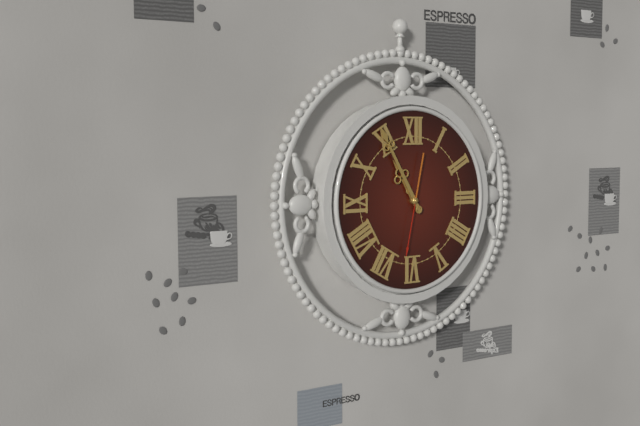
**10:55:32**
